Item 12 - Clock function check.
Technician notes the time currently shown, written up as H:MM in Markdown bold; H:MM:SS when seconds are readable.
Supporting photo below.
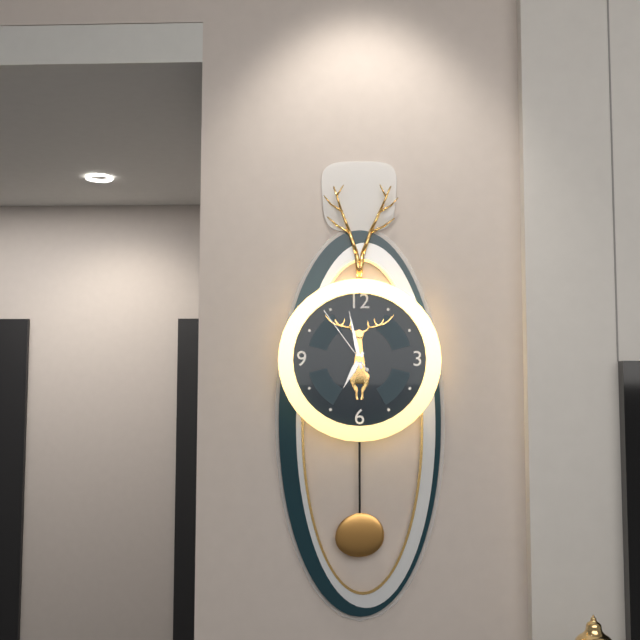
**6:58:54**
